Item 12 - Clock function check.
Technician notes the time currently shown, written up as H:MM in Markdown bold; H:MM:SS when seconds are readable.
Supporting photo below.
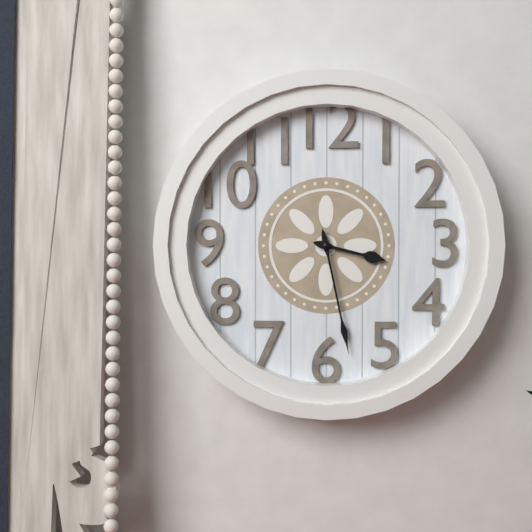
**3:28**
